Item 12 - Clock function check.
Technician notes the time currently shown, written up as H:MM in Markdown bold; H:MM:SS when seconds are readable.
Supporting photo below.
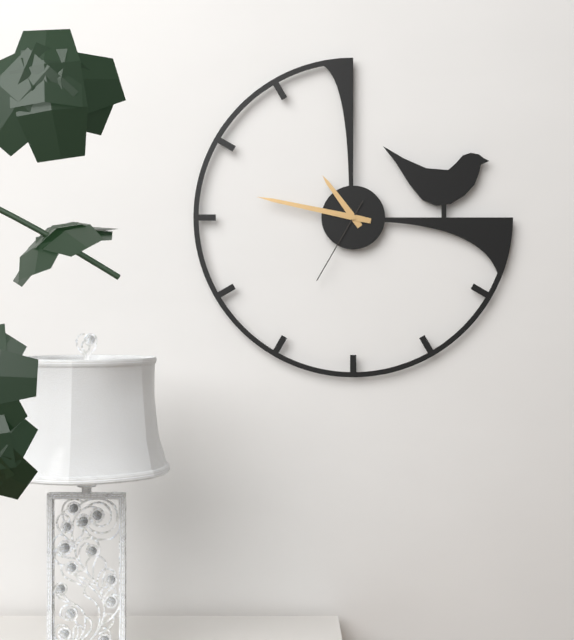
**10:47:35**
